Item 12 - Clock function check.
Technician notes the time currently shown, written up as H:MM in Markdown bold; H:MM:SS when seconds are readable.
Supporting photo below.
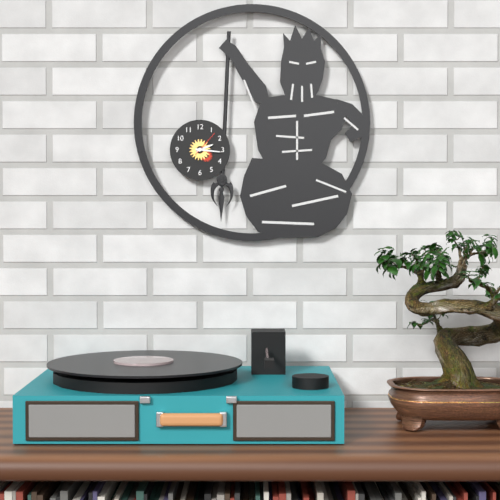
**2:16**
